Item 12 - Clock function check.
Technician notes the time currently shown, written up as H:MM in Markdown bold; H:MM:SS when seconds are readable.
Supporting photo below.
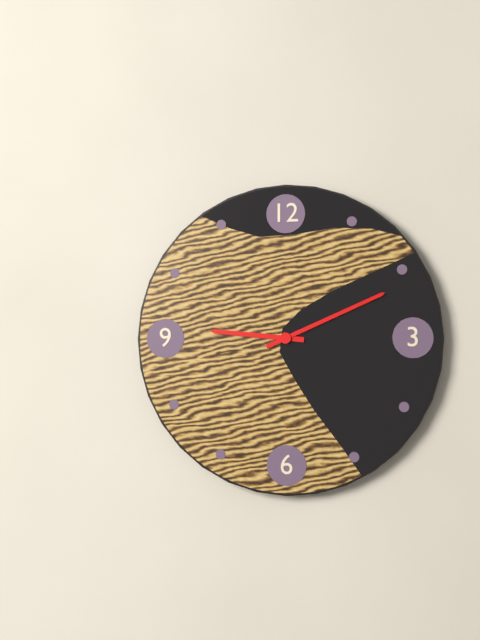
**9:11**
